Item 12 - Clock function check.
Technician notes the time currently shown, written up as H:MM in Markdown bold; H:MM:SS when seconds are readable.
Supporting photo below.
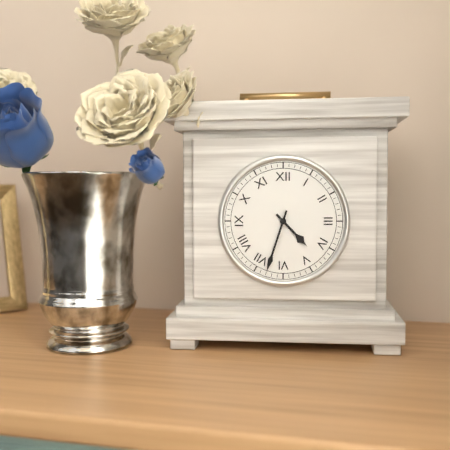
**4:33**
